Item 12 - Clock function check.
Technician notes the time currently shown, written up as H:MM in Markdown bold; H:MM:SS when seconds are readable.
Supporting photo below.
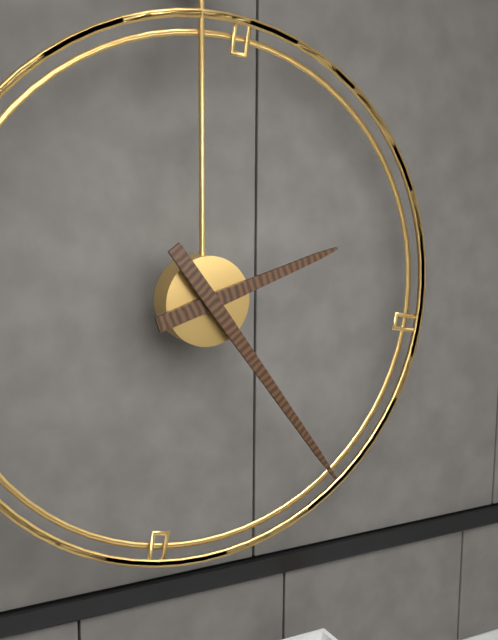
**2:24**
